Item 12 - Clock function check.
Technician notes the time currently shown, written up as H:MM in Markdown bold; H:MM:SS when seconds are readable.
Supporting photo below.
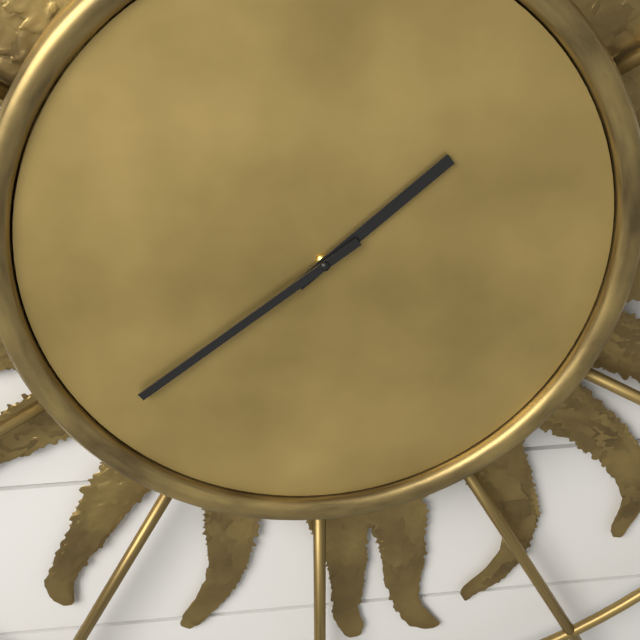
**1:39**
